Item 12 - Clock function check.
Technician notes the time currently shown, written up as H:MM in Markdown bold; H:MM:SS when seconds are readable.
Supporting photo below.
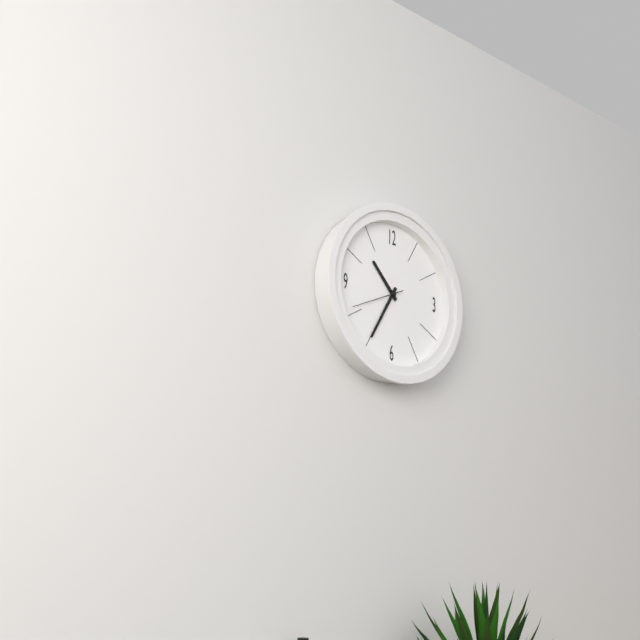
**10:35:41**
